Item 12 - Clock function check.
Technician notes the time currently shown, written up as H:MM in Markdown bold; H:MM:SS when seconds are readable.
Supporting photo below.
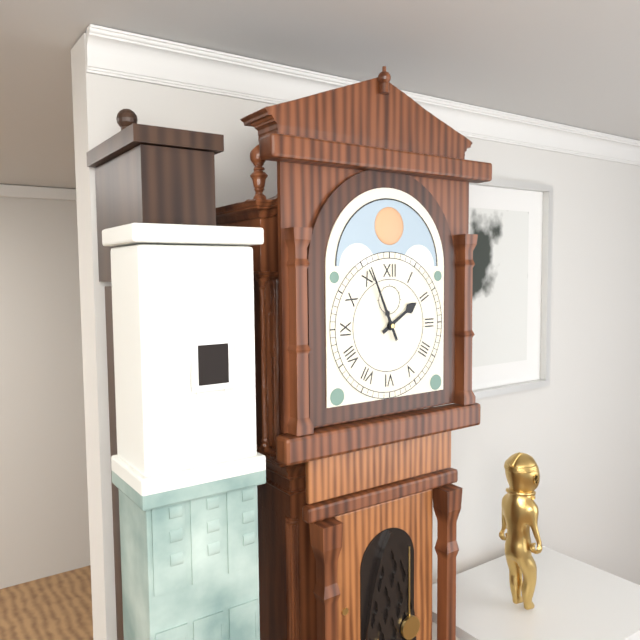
**1:56**
